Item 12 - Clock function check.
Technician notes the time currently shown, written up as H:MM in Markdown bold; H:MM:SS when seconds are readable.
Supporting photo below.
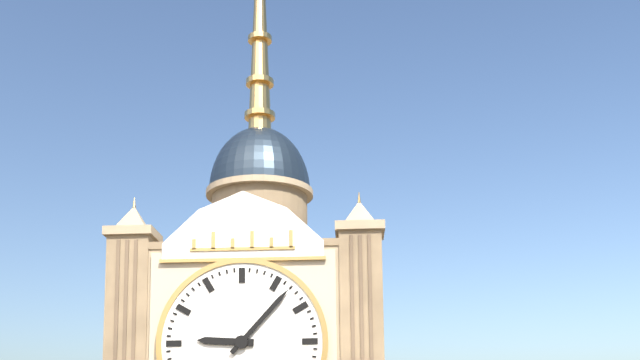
**9:07**
